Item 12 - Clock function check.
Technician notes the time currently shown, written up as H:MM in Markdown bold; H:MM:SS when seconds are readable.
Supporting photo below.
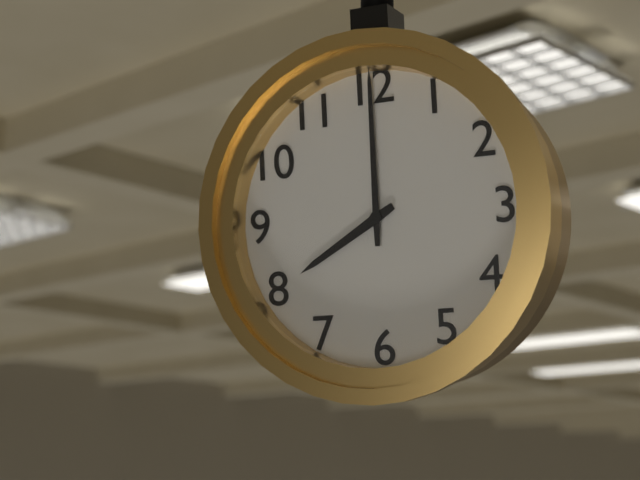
**8:00**
